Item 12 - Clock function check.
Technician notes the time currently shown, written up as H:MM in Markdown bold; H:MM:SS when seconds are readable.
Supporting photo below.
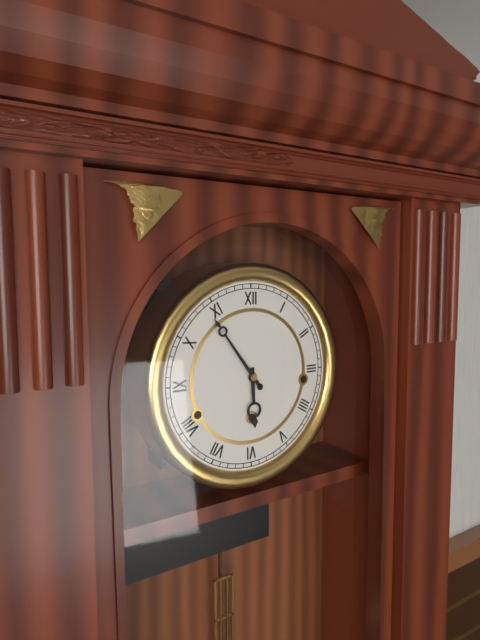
**5:54**
